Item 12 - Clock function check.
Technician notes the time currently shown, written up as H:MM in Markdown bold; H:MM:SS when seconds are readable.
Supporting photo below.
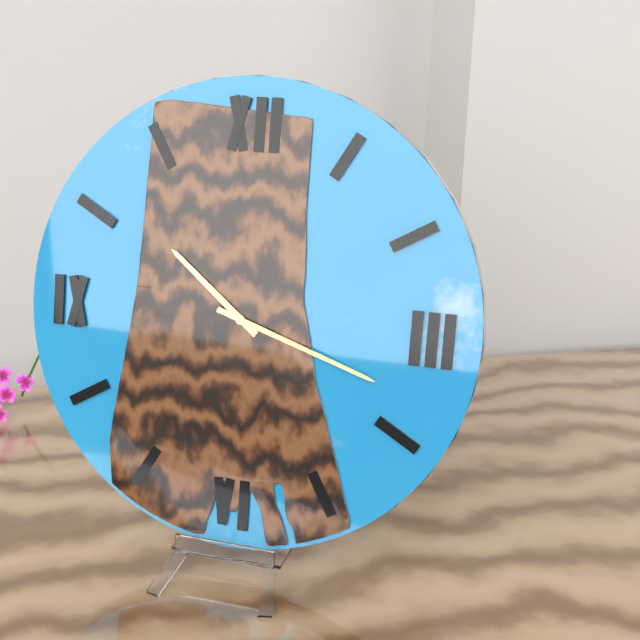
**10:18**
